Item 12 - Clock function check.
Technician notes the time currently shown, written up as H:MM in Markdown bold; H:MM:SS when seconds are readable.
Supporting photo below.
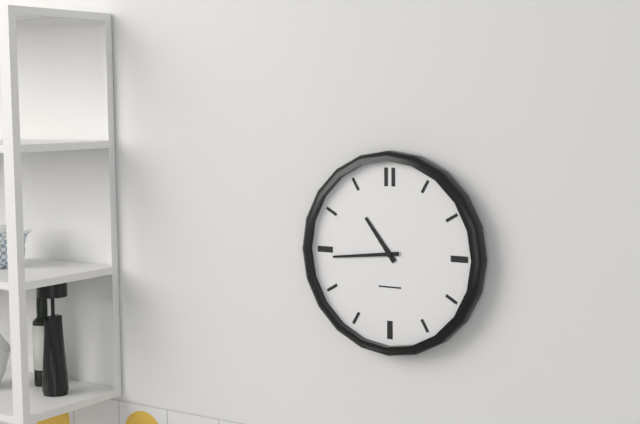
**10:44**
